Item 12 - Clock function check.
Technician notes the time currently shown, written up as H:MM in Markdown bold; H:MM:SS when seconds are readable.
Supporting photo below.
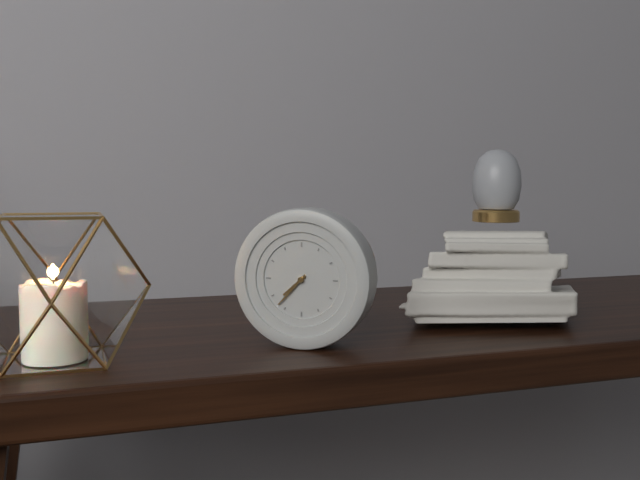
**7:37**
